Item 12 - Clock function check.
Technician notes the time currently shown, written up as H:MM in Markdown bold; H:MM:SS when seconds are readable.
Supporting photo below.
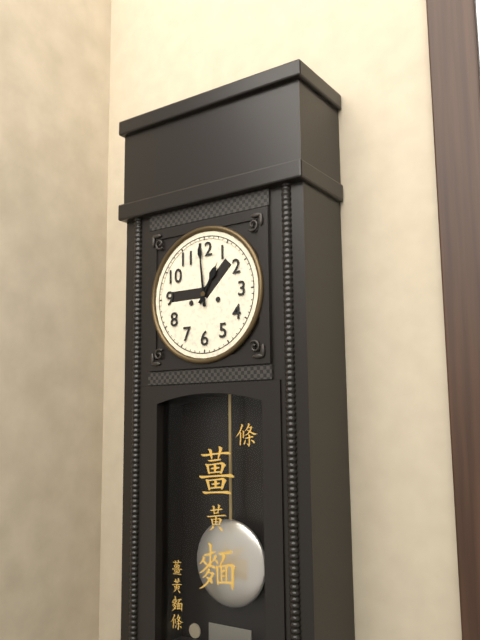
**12:59**
